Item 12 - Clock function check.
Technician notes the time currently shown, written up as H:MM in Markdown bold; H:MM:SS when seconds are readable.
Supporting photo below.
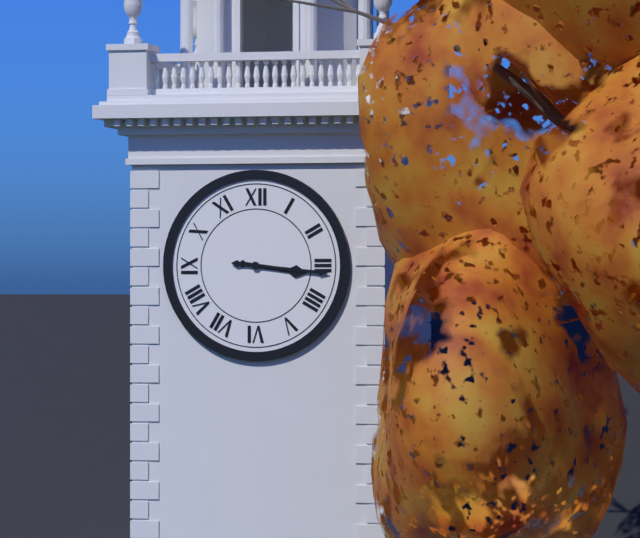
**3:16**
